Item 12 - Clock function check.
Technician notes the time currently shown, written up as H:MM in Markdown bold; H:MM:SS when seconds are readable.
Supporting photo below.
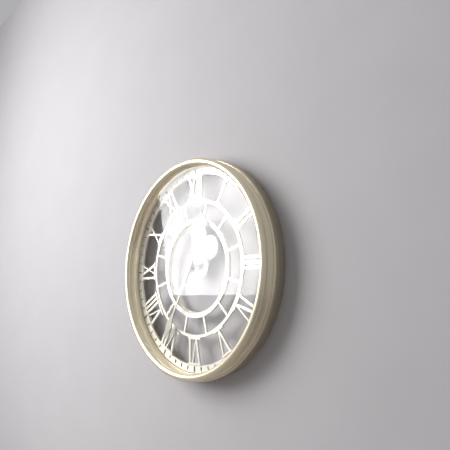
**12:35**
